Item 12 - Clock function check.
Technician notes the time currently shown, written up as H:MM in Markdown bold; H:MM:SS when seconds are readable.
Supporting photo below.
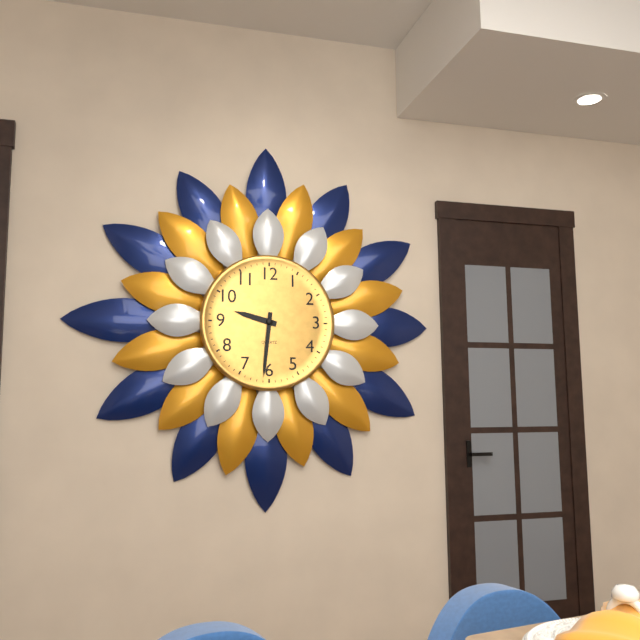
**9:31**
